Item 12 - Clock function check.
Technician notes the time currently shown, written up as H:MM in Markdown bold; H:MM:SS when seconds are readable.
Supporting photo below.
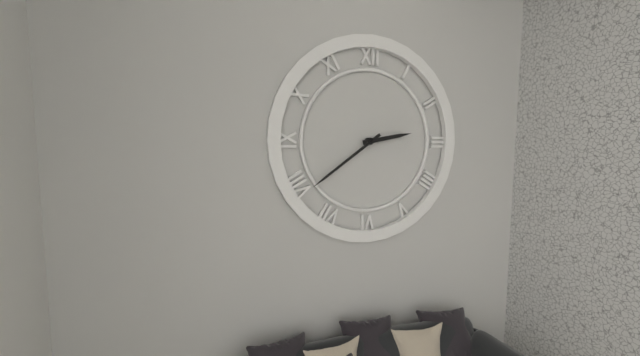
**2:39**
